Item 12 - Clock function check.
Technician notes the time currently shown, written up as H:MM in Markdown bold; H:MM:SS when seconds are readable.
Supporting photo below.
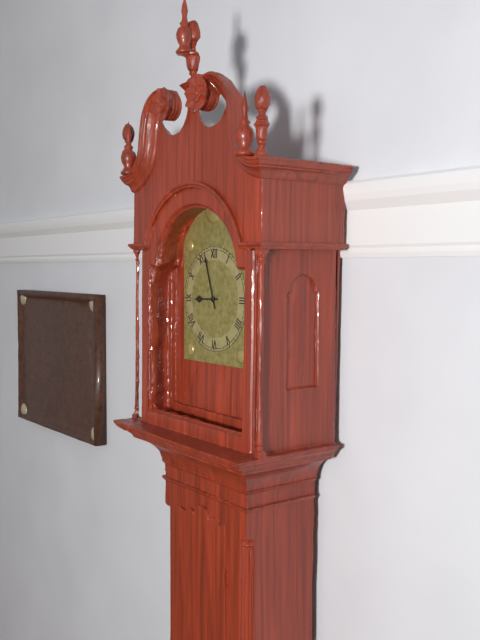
**8:57**
